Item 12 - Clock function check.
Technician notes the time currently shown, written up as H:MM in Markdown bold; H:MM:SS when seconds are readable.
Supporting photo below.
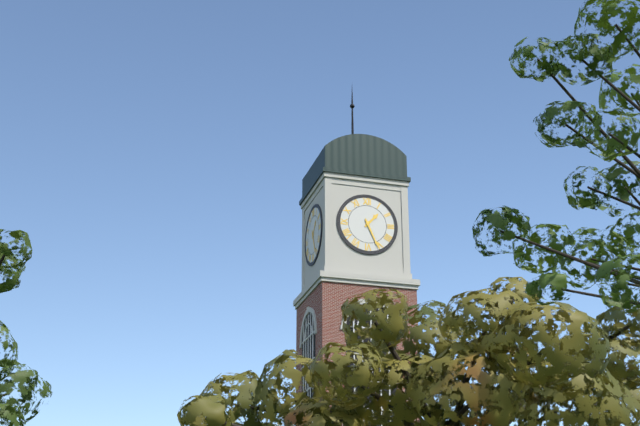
**1:26**
